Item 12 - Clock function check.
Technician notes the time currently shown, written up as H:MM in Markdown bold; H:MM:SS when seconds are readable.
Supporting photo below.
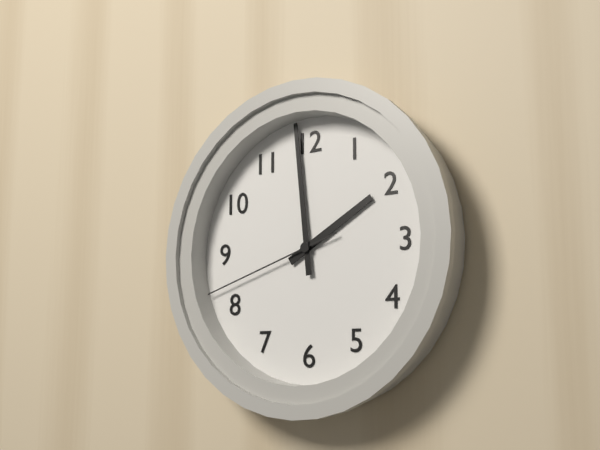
**1:59:42**
